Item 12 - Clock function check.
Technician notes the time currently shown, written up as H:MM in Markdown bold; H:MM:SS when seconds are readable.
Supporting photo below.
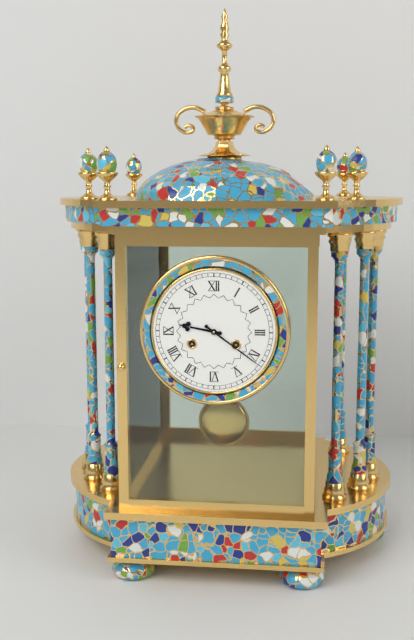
**9:21**
